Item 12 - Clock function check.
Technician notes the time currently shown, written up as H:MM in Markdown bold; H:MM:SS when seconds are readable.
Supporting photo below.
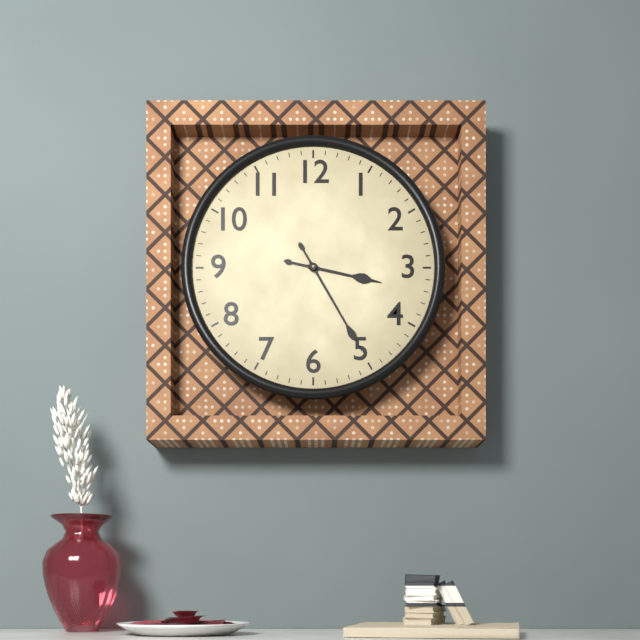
**3:25**
